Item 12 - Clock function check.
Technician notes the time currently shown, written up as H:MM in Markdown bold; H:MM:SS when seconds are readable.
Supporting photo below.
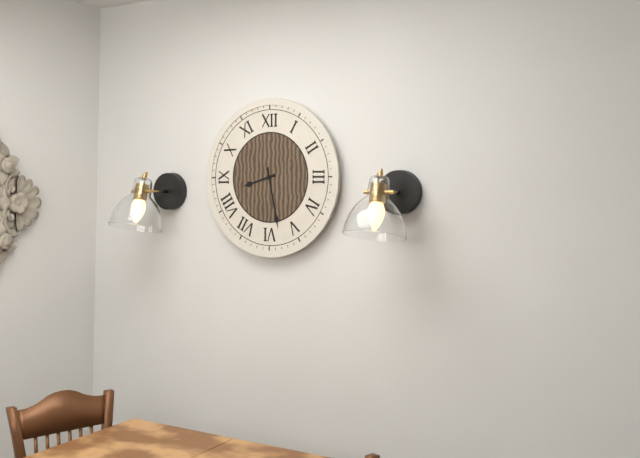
**8:28**
